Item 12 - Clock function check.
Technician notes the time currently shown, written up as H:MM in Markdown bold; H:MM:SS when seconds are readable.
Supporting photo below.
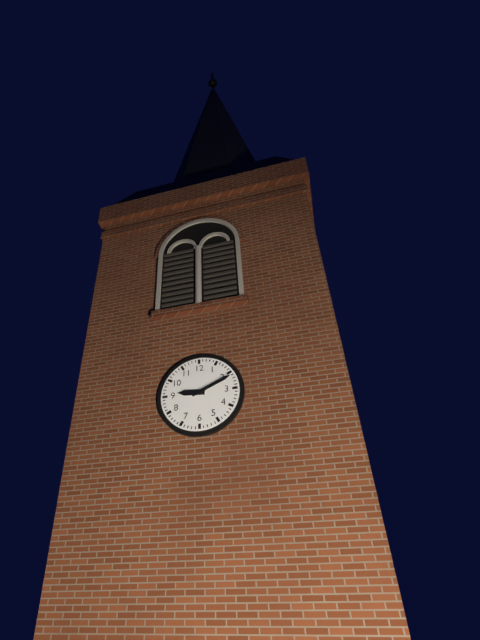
**9:11**
